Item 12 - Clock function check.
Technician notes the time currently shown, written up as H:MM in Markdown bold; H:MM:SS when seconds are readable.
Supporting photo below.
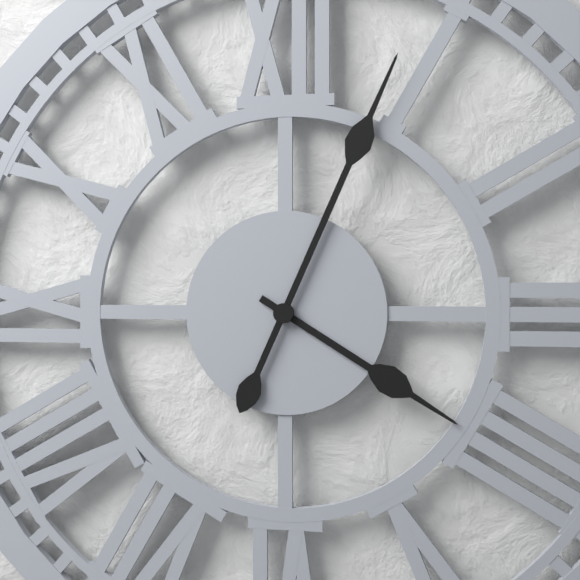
**4:04**
